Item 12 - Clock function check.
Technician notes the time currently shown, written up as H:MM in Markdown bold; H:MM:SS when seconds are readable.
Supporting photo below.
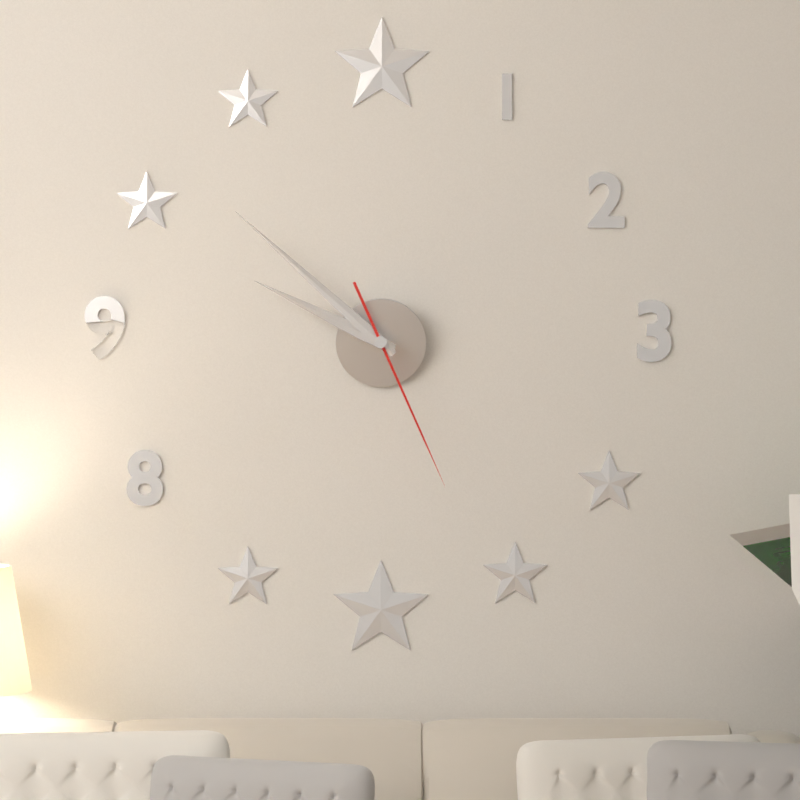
**9:52:26**
